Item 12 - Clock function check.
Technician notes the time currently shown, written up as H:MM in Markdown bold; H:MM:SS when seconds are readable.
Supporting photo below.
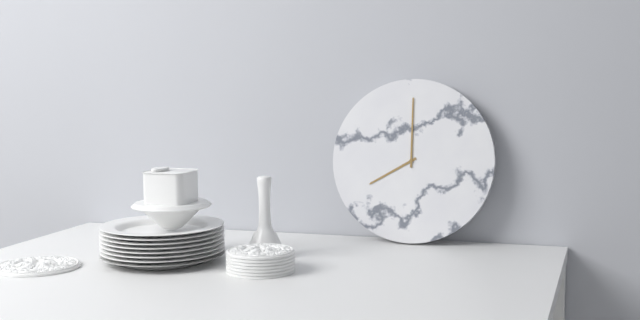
**8:00**
